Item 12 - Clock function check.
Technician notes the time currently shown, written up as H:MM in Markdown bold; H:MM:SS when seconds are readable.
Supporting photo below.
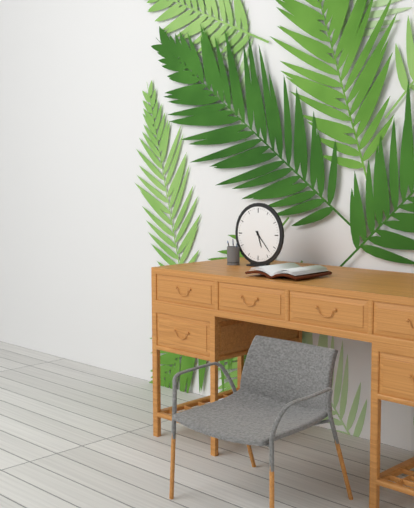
**5:23**
